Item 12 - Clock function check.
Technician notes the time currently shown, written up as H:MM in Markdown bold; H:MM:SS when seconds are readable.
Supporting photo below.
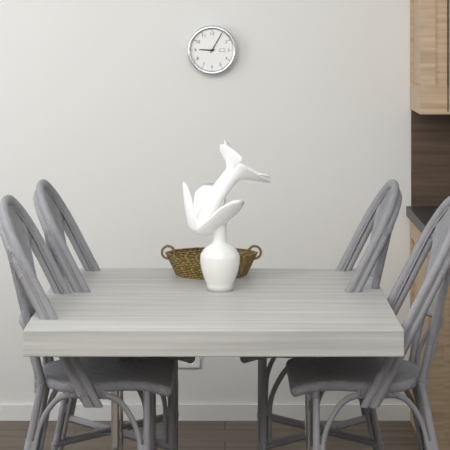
**9:05**
